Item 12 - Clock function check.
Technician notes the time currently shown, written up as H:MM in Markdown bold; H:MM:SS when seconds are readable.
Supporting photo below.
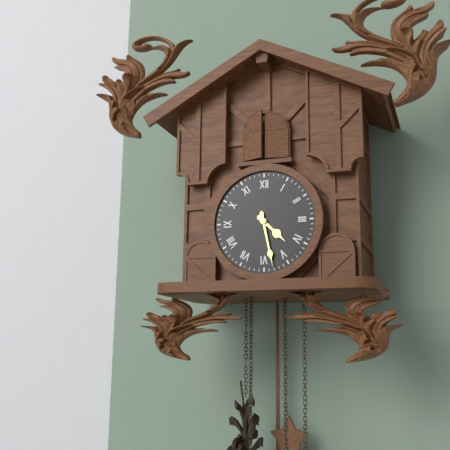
**4:28**
